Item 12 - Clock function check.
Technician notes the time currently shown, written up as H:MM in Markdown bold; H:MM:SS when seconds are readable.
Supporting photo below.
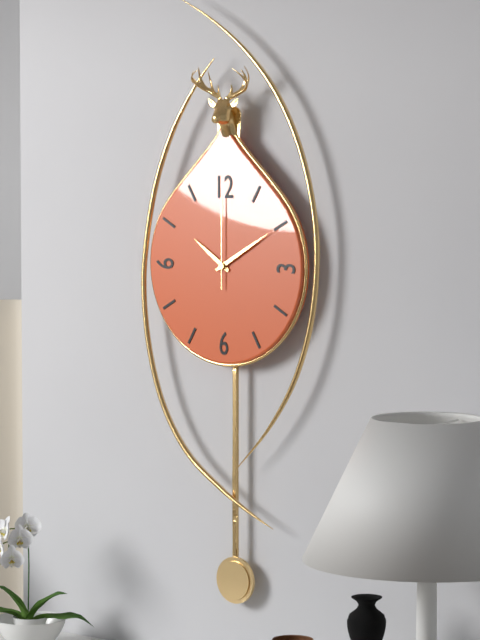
**10:10:00**
